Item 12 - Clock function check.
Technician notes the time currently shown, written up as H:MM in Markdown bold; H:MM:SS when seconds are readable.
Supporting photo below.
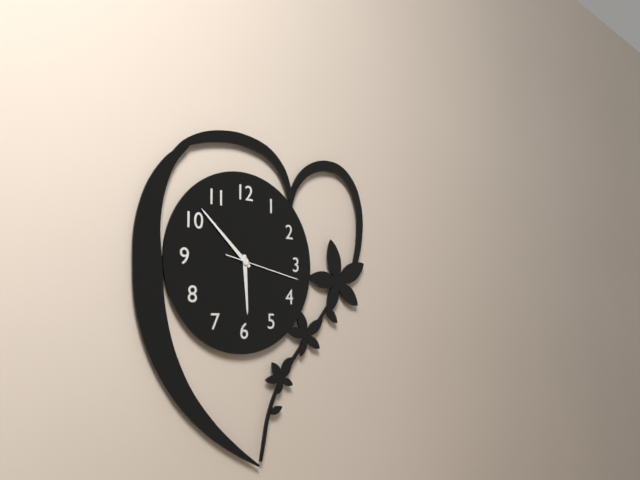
**5:52:17**
